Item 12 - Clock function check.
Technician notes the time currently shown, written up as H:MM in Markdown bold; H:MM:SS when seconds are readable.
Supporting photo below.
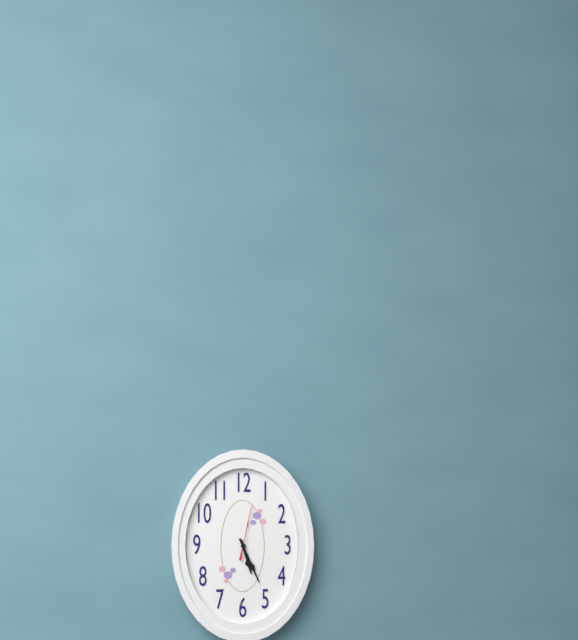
**5:26:02**
